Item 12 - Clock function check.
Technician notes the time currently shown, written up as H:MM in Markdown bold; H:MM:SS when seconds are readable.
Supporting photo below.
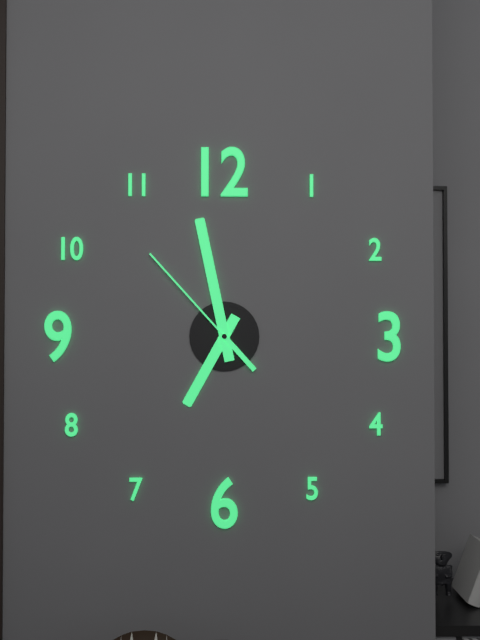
**6:58:53**
